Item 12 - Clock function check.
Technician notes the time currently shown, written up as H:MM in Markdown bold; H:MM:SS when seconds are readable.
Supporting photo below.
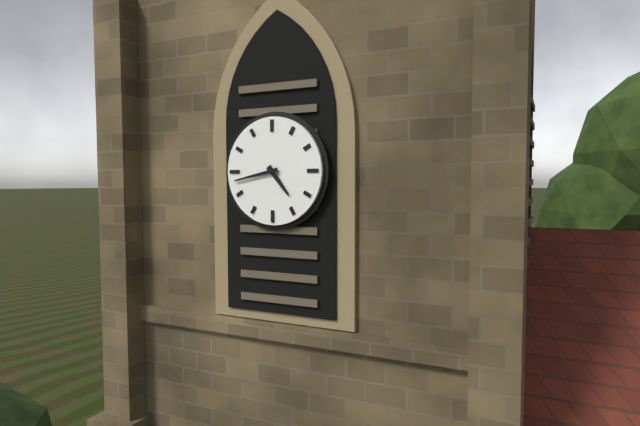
**4:43**
